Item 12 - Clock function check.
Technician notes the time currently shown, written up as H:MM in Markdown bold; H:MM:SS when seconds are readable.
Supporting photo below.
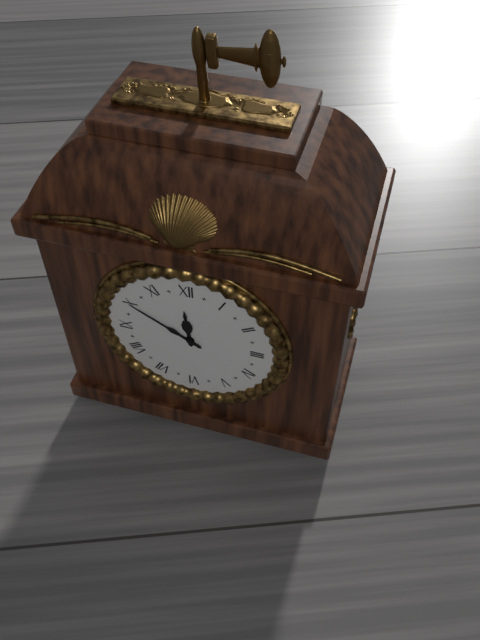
**11:50**
